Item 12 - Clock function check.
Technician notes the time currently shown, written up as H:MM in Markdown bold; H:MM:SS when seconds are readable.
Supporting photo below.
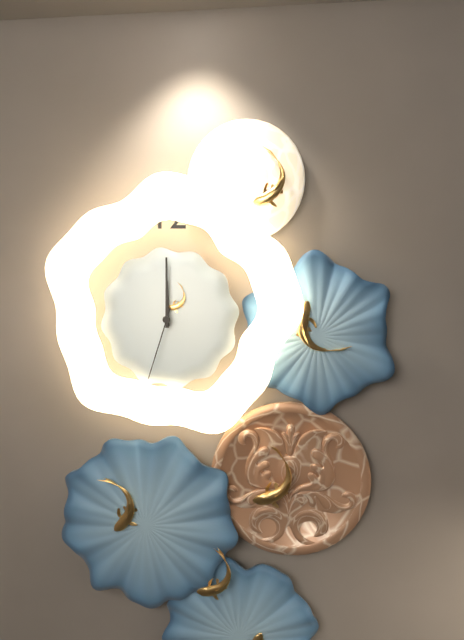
**12:00:33**
